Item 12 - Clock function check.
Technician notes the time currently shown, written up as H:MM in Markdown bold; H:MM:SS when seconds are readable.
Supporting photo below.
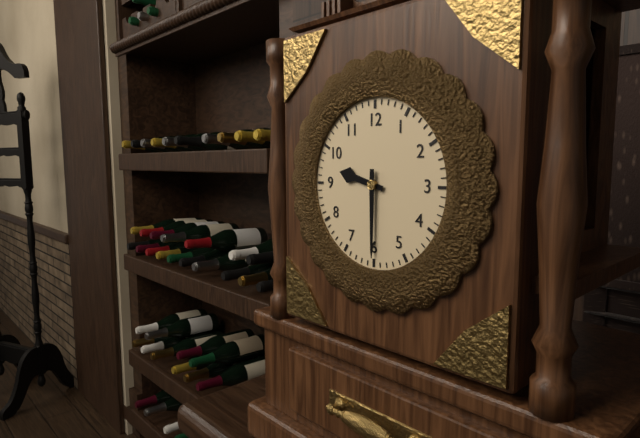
**9:30**
